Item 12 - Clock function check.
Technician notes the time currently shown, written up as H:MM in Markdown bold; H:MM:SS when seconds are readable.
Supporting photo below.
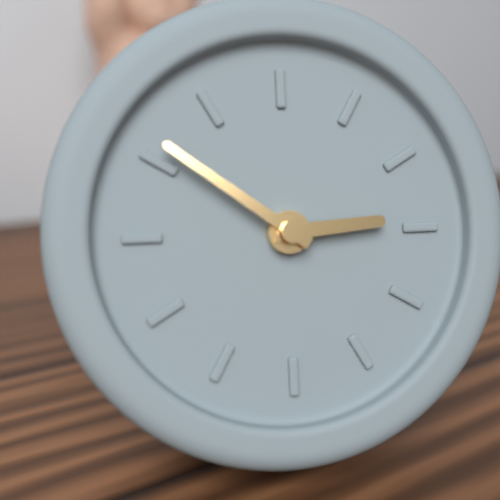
**2:51**
